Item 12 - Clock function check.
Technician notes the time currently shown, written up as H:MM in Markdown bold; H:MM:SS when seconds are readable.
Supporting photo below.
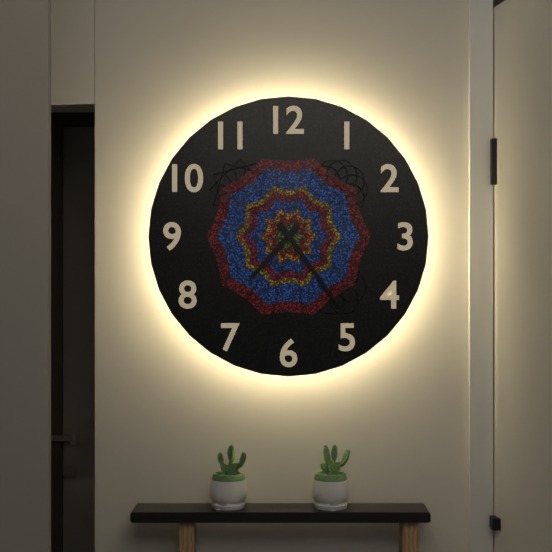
**7:24**
